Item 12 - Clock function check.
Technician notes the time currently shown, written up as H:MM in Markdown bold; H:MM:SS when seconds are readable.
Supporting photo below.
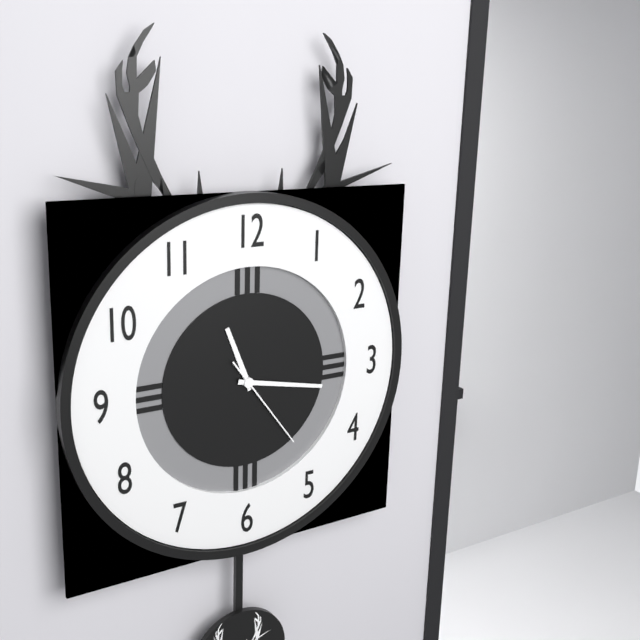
**11:17:24**
